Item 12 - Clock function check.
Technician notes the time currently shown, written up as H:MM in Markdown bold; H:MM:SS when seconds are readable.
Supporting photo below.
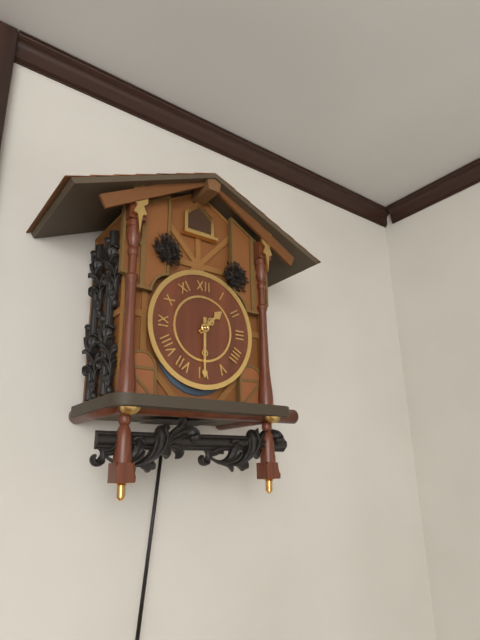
**1:30**
